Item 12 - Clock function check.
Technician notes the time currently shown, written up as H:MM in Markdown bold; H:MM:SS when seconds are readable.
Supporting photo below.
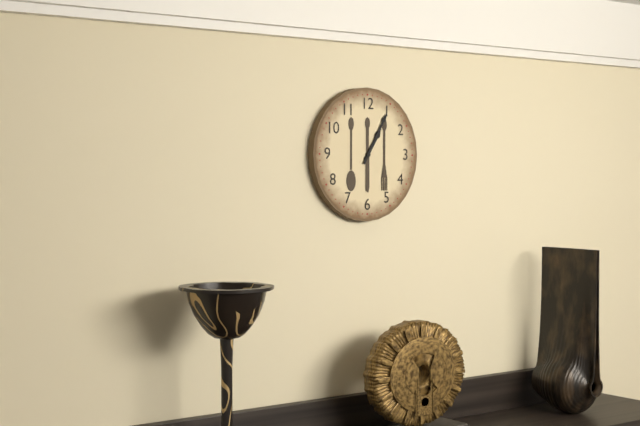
**1:05**
